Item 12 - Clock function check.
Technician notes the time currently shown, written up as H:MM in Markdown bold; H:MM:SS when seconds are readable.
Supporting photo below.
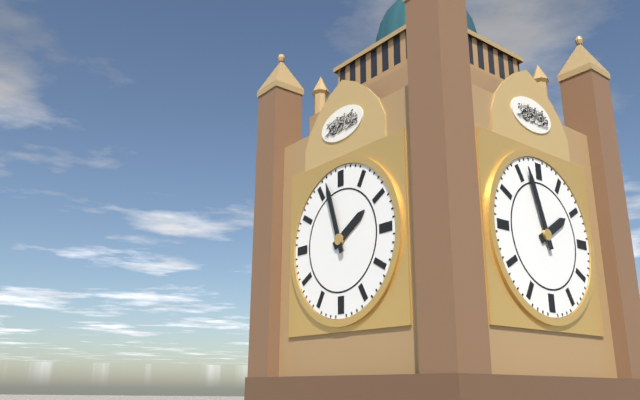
**1:57**
